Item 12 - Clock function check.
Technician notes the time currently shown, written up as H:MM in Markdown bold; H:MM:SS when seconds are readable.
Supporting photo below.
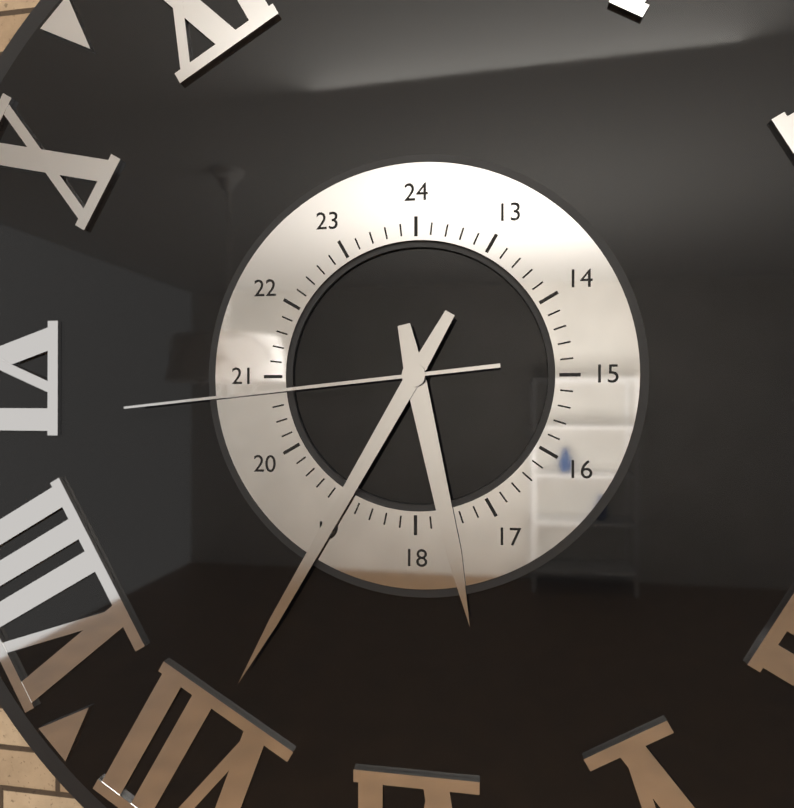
**5:35:44**
